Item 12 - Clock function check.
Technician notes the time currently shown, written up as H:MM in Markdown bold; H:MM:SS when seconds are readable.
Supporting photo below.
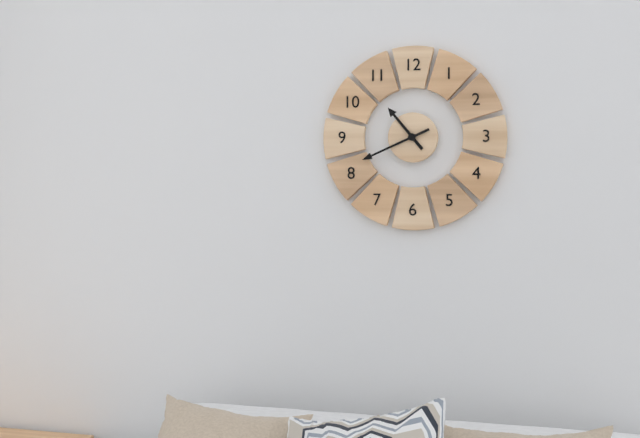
**10:41**
